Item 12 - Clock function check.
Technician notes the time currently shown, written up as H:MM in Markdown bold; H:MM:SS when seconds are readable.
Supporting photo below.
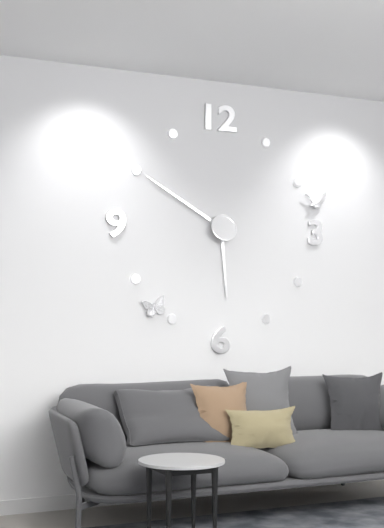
**5:50**
